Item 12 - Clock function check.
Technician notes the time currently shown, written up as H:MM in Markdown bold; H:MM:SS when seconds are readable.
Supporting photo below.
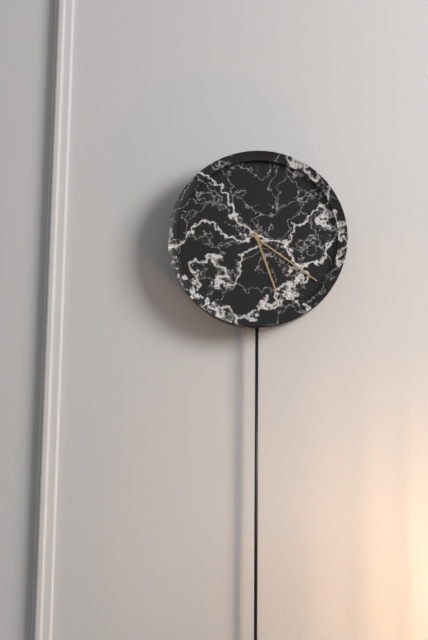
**5:21**
